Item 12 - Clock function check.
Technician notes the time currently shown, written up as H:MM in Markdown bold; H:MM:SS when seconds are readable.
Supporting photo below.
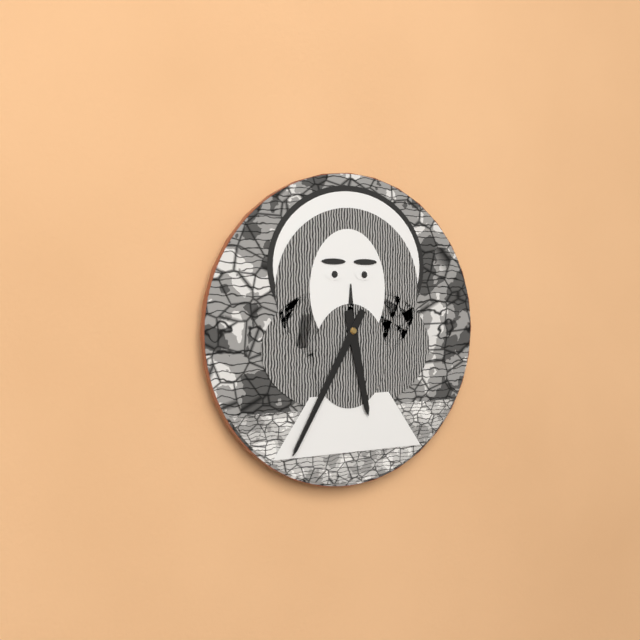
**5:35**
